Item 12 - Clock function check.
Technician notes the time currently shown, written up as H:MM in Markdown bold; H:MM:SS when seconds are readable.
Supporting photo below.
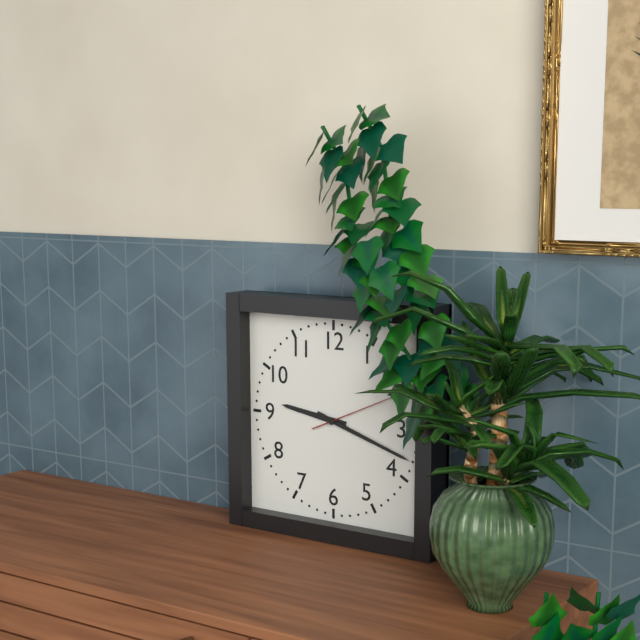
**9:18:11**
